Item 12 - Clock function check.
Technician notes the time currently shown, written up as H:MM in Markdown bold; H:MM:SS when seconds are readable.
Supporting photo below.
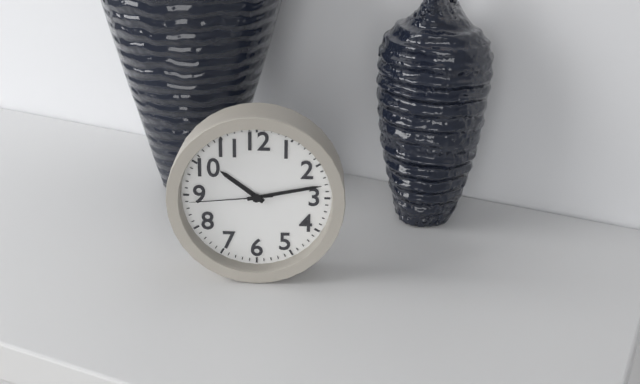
**10:13:44**
